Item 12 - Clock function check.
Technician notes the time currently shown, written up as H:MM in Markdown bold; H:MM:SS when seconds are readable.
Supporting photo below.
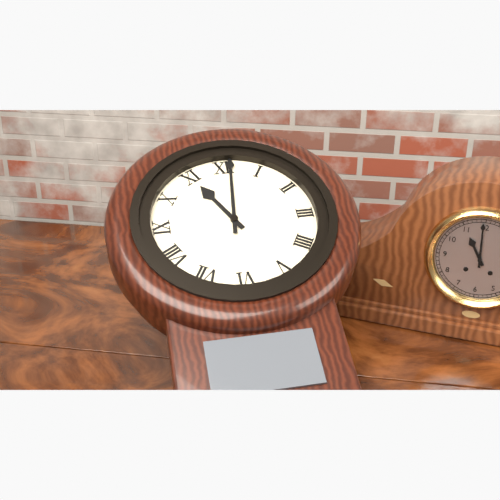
**11:01**
